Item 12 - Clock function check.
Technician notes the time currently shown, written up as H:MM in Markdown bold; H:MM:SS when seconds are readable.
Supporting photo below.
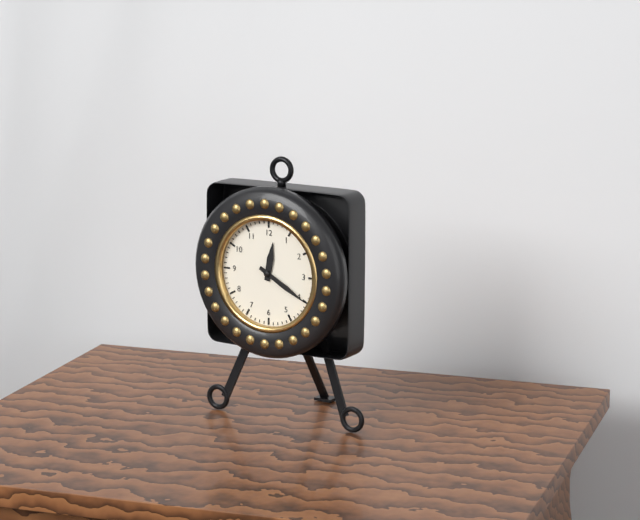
**12:20**
